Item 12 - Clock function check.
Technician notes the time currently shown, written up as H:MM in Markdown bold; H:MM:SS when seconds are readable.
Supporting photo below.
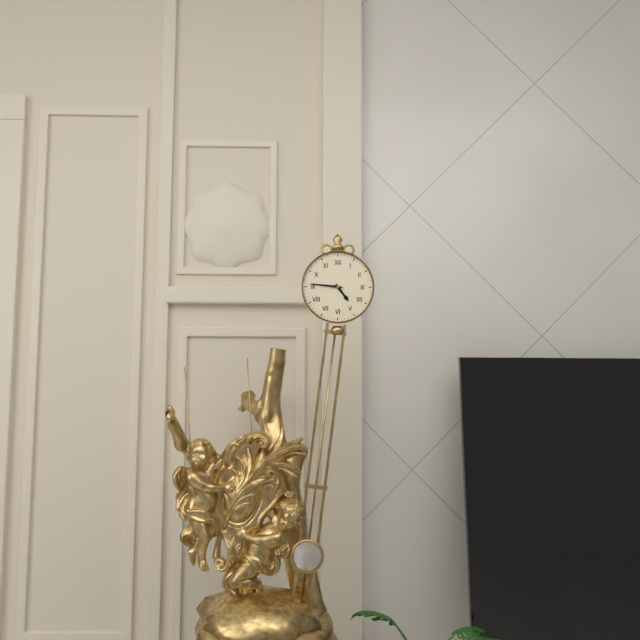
**4:46**
